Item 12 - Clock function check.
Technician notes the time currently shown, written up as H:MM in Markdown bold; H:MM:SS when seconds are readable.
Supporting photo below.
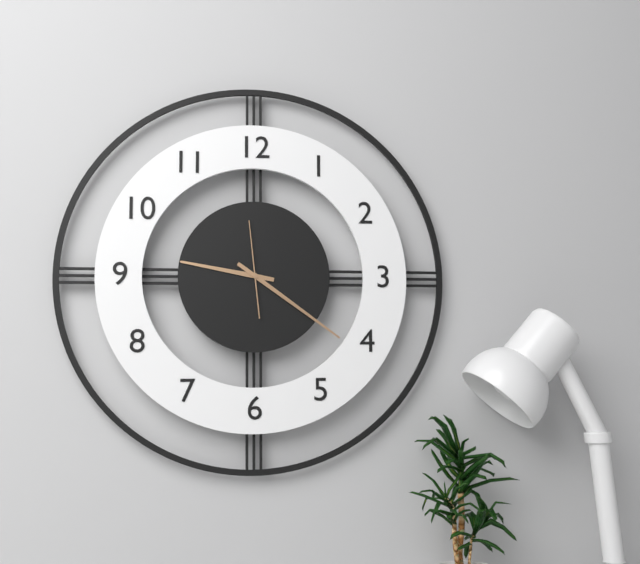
**9:21:59**
